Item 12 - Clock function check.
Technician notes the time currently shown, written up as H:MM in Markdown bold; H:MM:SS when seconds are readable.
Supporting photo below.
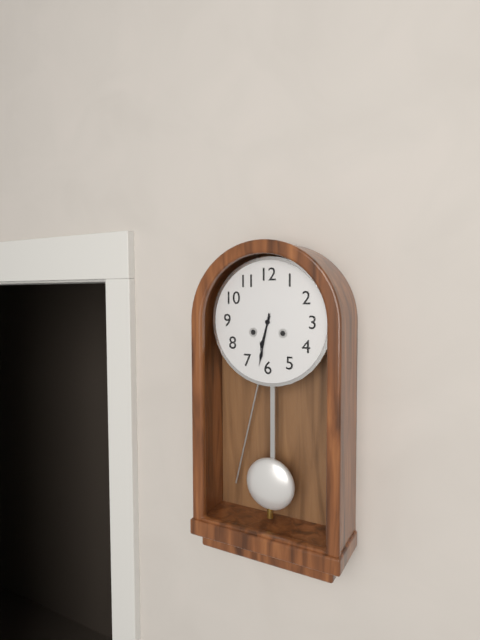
**6:32**
